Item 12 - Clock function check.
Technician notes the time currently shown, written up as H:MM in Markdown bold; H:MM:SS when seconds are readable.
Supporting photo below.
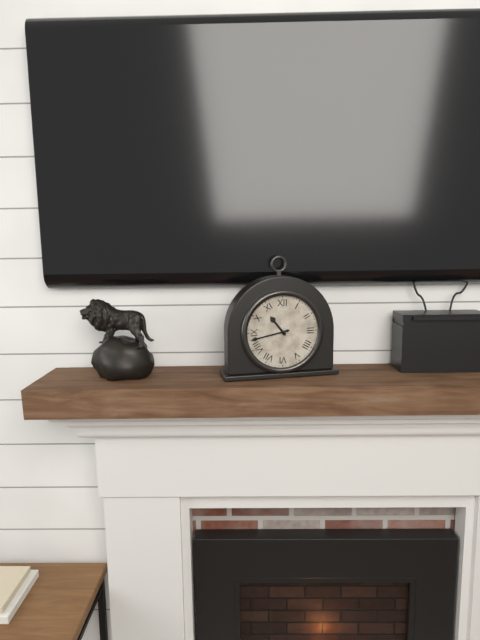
**10:43**
